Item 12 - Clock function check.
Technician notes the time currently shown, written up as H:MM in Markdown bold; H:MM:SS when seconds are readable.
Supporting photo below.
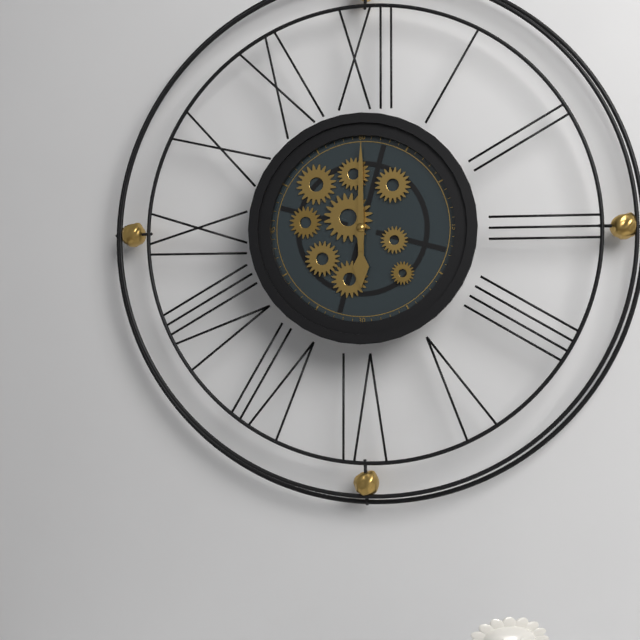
**6:00**
